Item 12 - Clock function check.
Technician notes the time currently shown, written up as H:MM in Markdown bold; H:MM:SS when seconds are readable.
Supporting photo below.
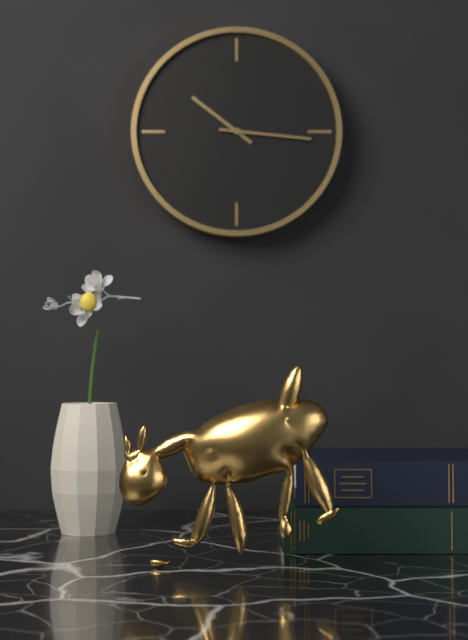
**10:16**
